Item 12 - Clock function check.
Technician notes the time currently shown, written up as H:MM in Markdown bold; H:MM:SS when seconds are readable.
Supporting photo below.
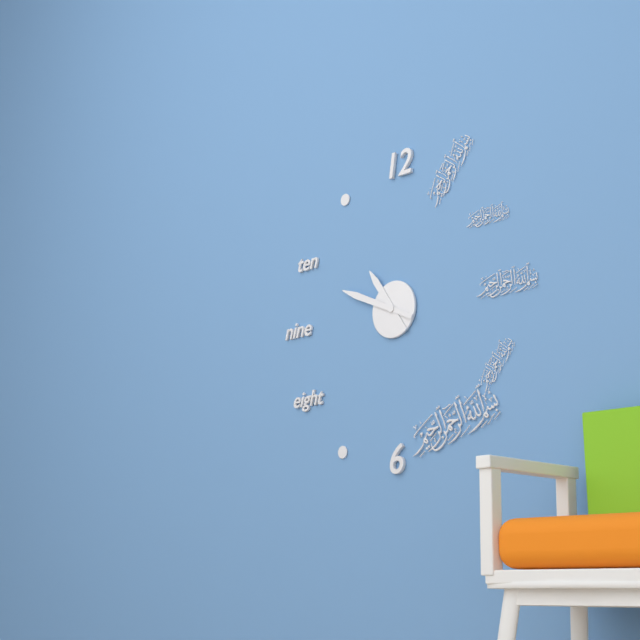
**10:49**
